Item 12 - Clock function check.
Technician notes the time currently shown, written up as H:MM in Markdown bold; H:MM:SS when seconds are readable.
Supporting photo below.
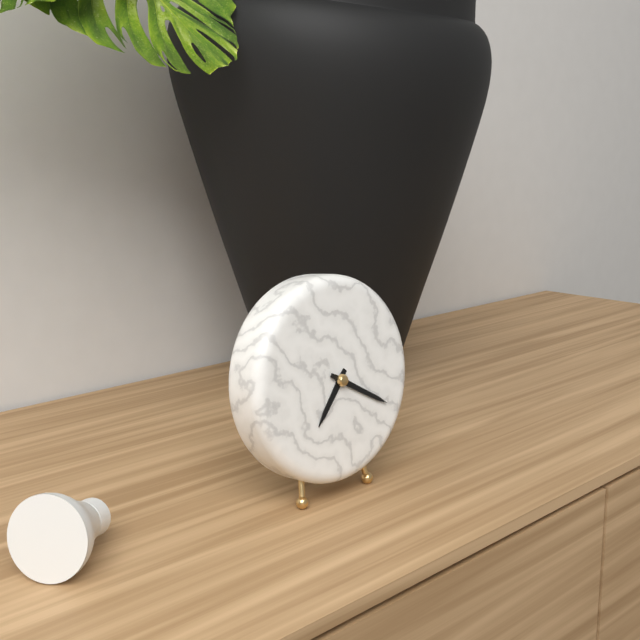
**7:20**
